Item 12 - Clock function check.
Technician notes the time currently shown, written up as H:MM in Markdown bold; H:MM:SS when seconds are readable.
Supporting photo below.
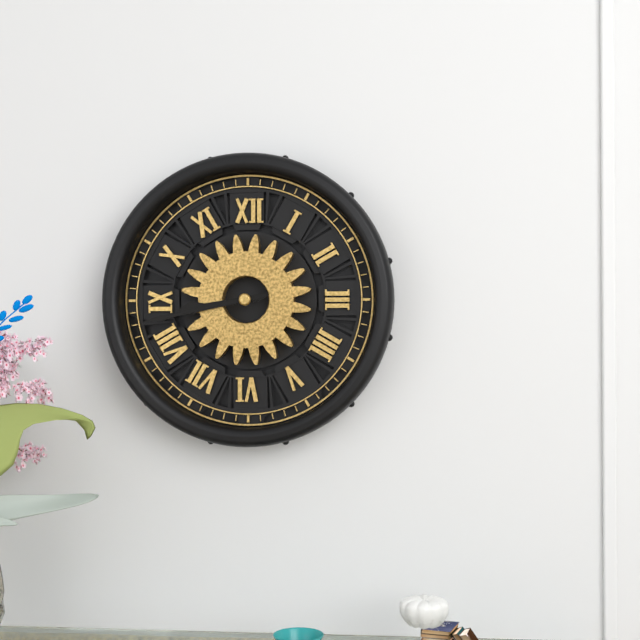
**8:43**
